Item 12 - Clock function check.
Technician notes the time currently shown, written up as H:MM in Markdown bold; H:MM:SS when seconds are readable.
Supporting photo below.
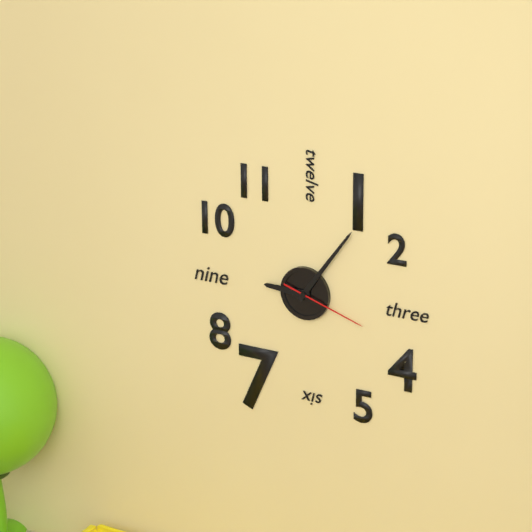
**9:06:18**
